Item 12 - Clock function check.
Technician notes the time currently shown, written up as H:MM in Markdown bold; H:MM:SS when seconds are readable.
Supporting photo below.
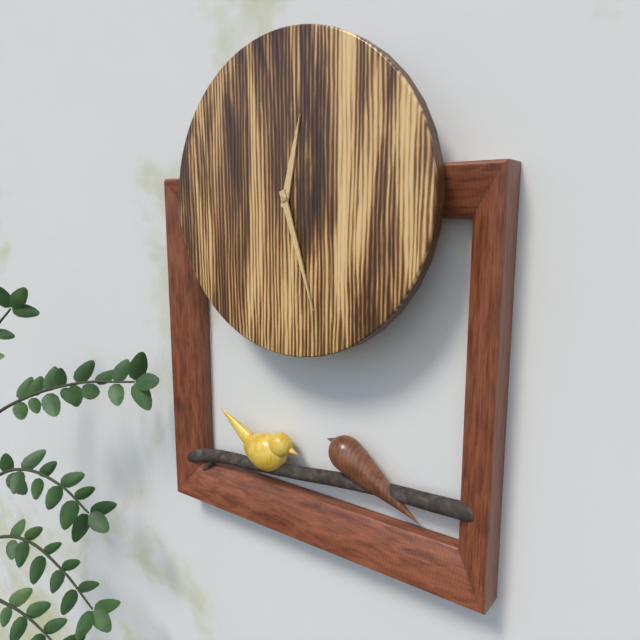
**12:27**
